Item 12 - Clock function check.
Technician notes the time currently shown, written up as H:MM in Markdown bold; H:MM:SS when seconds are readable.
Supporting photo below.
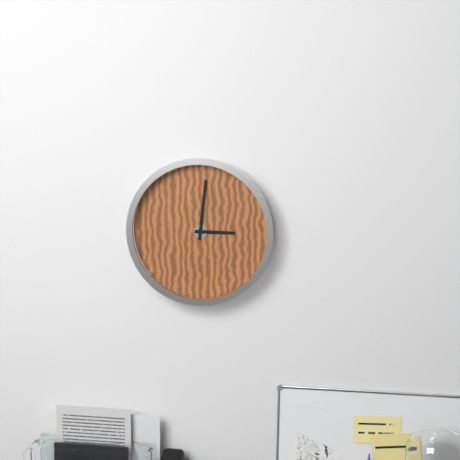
**3:01**
